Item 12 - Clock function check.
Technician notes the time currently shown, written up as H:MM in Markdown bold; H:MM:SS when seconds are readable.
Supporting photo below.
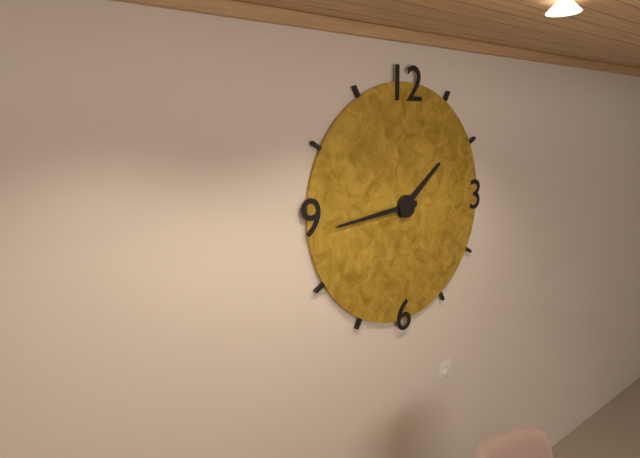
**1:44**
